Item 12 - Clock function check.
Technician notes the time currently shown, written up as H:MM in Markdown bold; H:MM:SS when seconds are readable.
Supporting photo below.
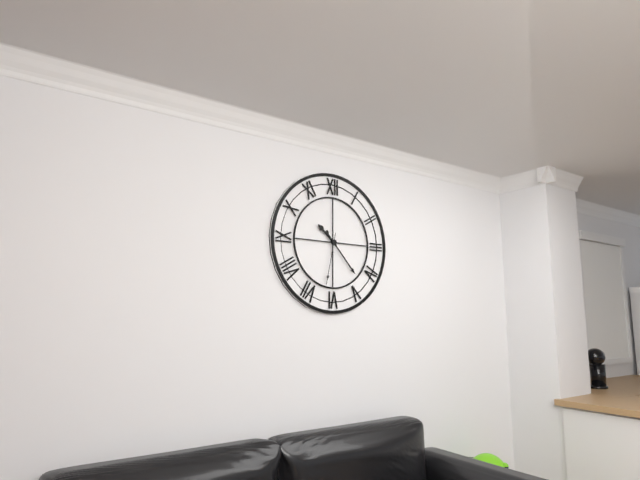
**10:23:32**
